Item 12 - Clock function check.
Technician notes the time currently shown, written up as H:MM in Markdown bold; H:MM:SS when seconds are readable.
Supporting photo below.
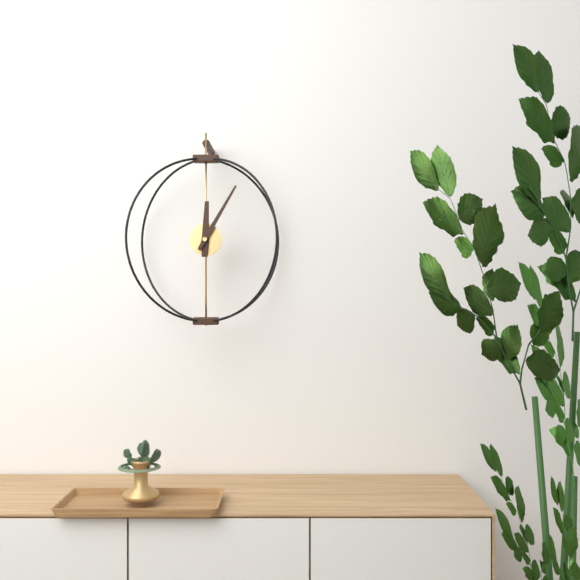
**12:05**
